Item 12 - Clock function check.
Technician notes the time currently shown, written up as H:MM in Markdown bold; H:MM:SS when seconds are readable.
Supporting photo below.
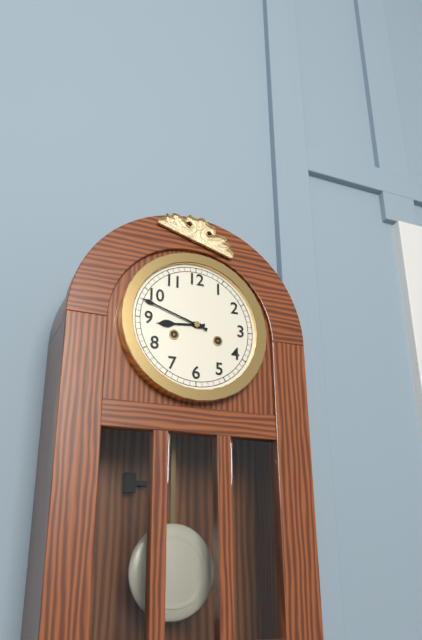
**8:48**
